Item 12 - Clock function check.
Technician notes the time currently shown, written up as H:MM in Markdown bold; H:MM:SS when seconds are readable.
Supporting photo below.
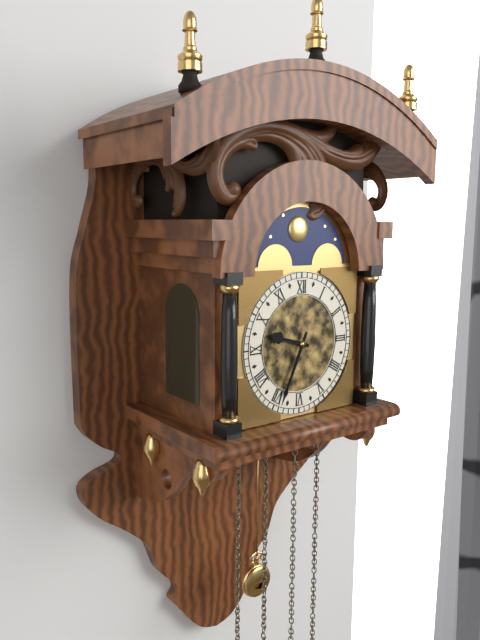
**9:34**
